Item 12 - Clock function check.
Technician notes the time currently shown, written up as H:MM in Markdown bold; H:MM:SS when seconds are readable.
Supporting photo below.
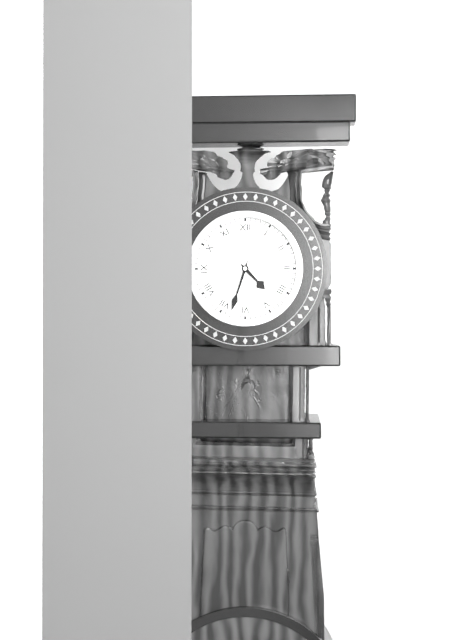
**4:33**
